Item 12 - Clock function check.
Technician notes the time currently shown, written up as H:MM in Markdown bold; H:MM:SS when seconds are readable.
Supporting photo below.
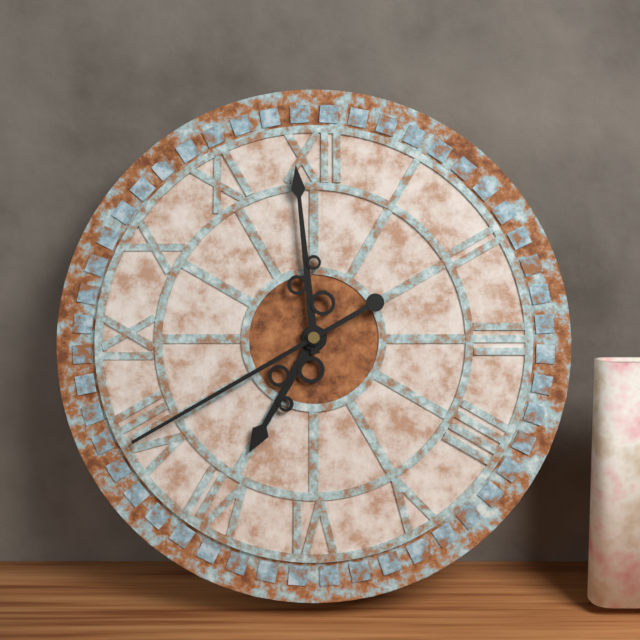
**6:59:40**
